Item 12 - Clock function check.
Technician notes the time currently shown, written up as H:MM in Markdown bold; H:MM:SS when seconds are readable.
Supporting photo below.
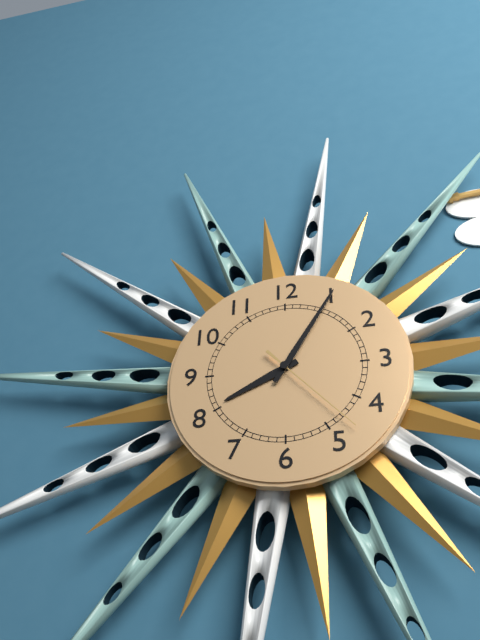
**8:05:23**
